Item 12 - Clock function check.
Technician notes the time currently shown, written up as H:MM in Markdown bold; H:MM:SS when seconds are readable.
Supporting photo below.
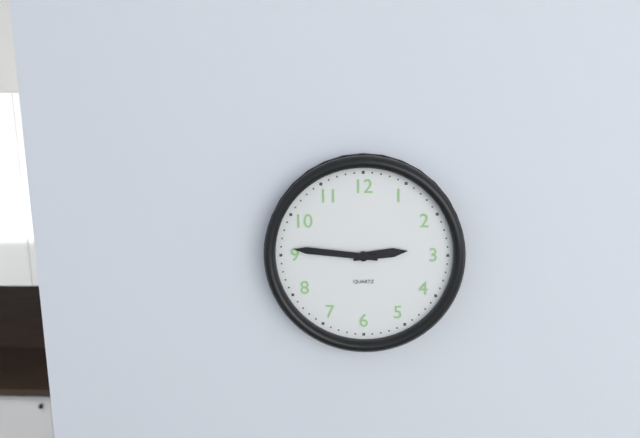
**2:46**
